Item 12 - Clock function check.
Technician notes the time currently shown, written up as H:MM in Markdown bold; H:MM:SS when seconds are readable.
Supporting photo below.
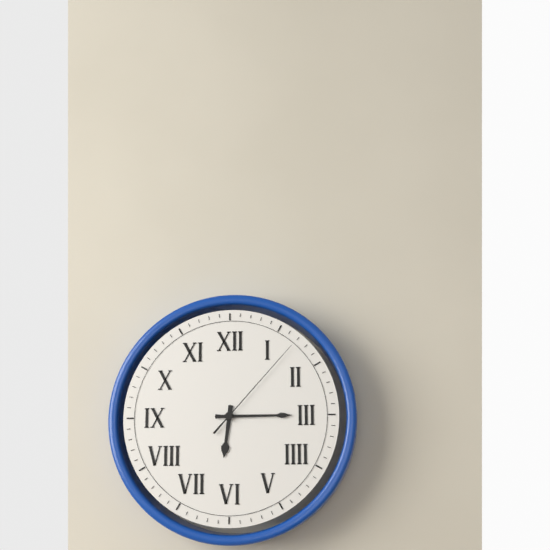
**6:15:07**
